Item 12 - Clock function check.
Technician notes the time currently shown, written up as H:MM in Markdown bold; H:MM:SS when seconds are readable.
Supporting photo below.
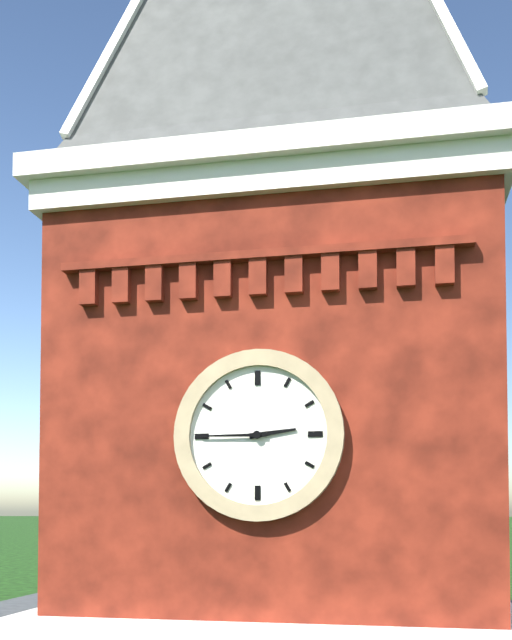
**2:45**
